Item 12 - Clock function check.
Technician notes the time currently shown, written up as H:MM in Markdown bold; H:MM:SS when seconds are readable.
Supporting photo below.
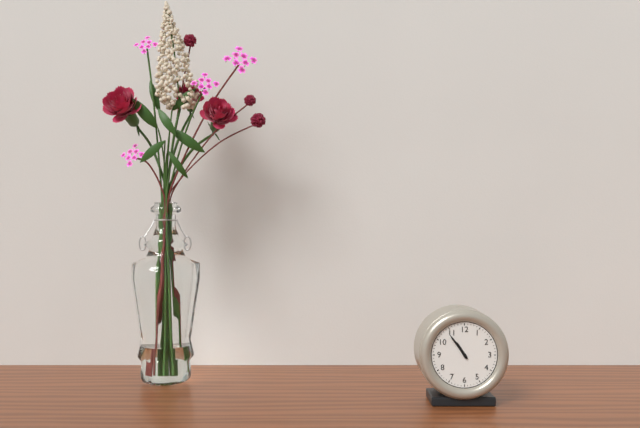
**10:54**
